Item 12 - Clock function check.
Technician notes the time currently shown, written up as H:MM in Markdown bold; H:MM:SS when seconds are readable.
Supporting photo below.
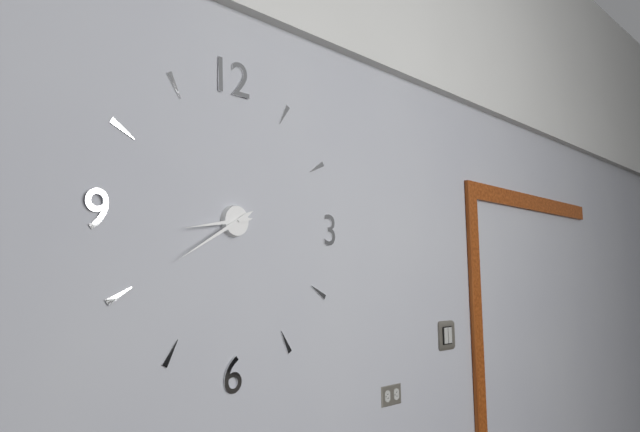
**8:40**
